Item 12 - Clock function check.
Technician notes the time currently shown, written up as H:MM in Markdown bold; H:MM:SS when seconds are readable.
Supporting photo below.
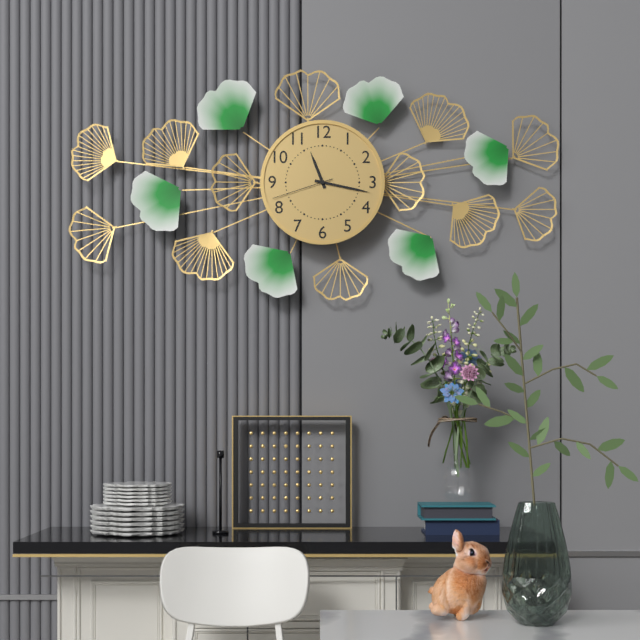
**11:17:42**
